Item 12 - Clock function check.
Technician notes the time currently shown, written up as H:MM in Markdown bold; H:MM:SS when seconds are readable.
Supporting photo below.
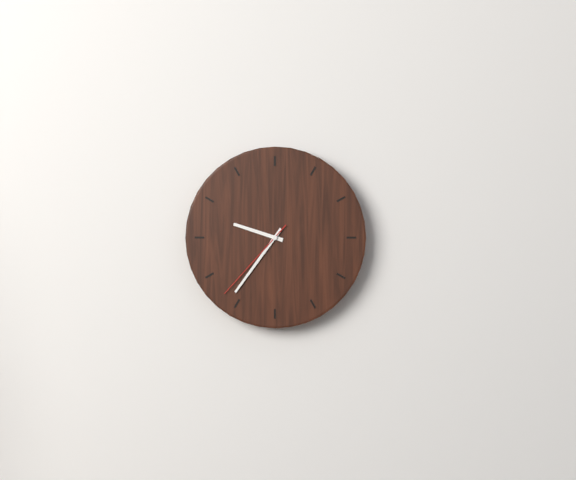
**9:36:37**
